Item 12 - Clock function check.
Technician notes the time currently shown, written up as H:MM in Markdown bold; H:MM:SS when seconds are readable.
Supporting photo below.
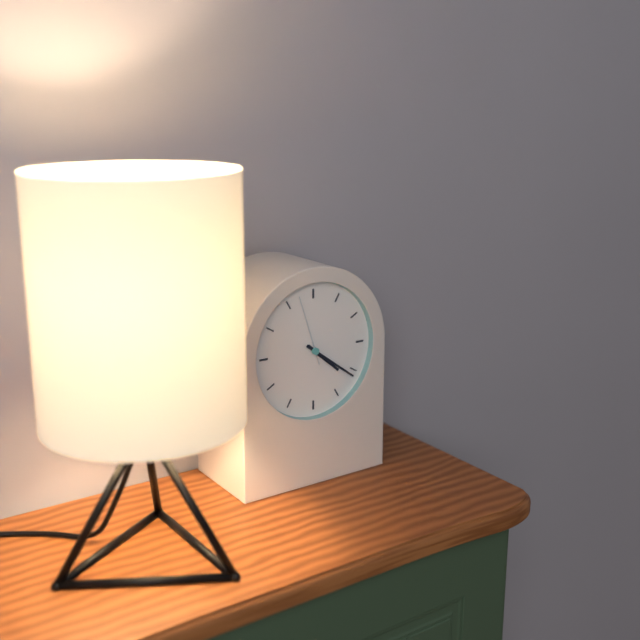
**4:21:57**
